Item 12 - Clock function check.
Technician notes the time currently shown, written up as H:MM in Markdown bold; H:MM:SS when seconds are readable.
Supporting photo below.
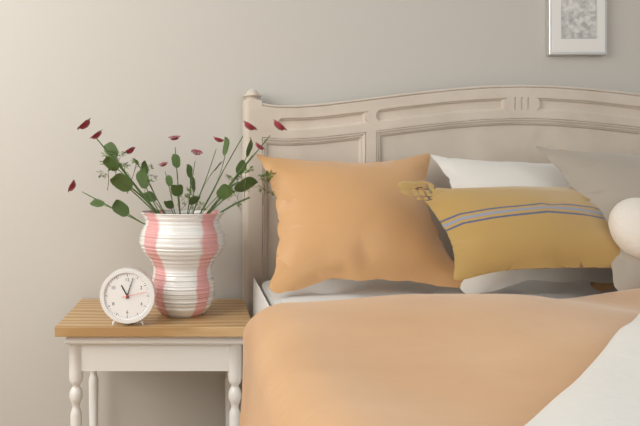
**11:03**
